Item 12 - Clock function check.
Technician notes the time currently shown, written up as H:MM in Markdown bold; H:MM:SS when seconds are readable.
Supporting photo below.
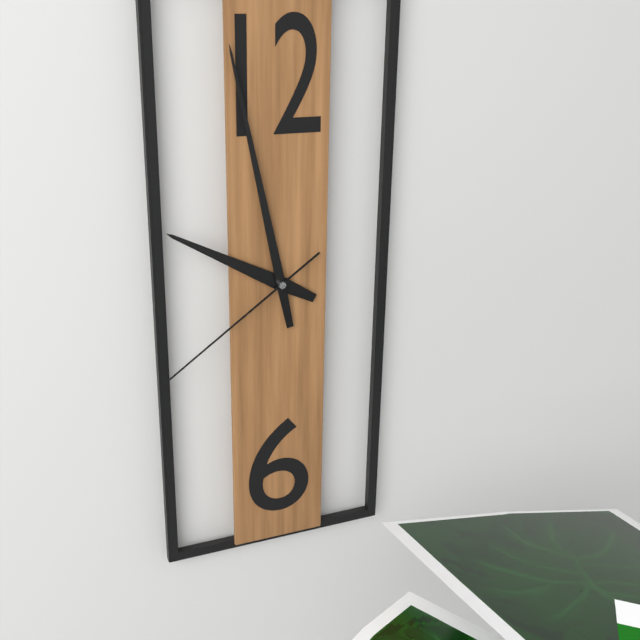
**9:58:39**
